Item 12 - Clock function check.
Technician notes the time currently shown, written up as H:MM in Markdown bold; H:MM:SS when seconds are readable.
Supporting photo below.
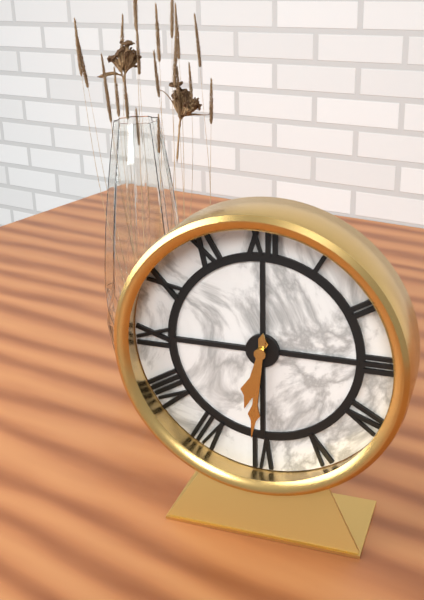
**6:31**
